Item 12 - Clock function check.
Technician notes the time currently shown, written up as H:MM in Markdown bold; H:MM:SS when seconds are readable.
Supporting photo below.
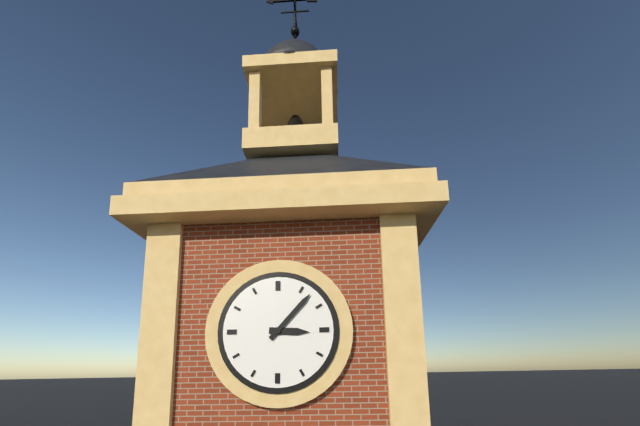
**3:07**
